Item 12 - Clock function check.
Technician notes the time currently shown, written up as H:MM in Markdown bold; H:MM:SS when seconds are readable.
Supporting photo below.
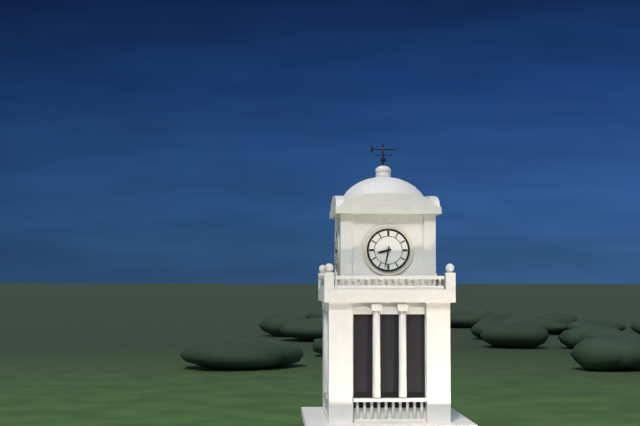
**8:32**
